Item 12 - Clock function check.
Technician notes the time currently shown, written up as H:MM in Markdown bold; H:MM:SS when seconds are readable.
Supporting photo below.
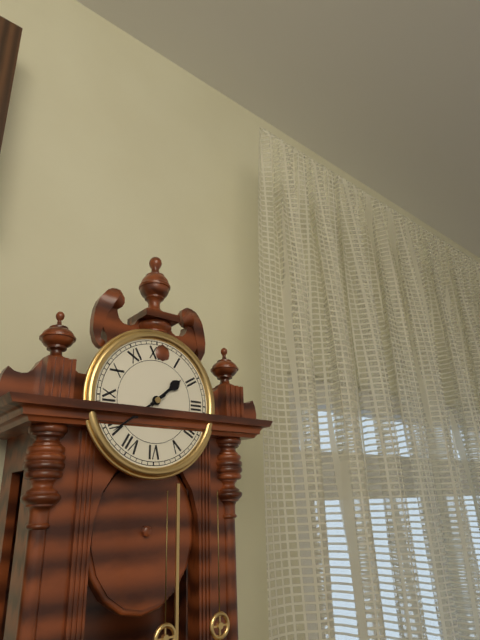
**1:39**
